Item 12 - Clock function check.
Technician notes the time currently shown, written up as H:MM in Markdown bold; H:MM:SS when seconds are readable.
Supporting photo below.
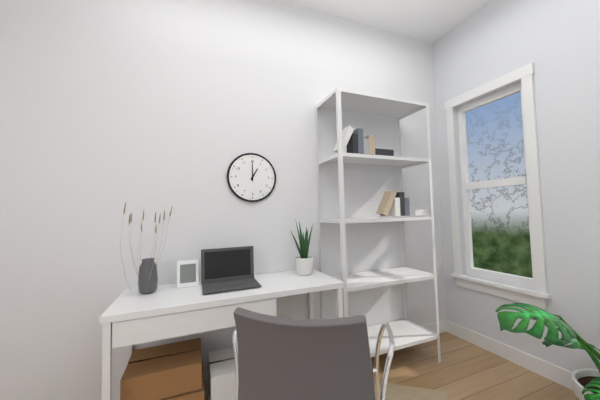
**1:00**
